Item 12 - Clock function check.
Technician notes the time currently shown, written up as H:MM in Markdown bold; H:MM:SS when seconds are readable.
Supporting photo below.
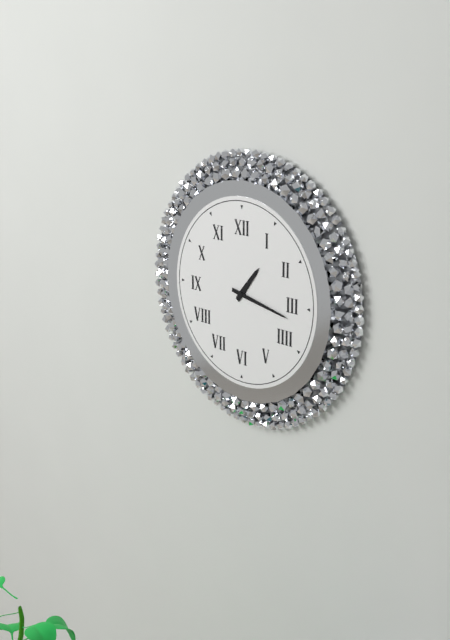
**1:17**
